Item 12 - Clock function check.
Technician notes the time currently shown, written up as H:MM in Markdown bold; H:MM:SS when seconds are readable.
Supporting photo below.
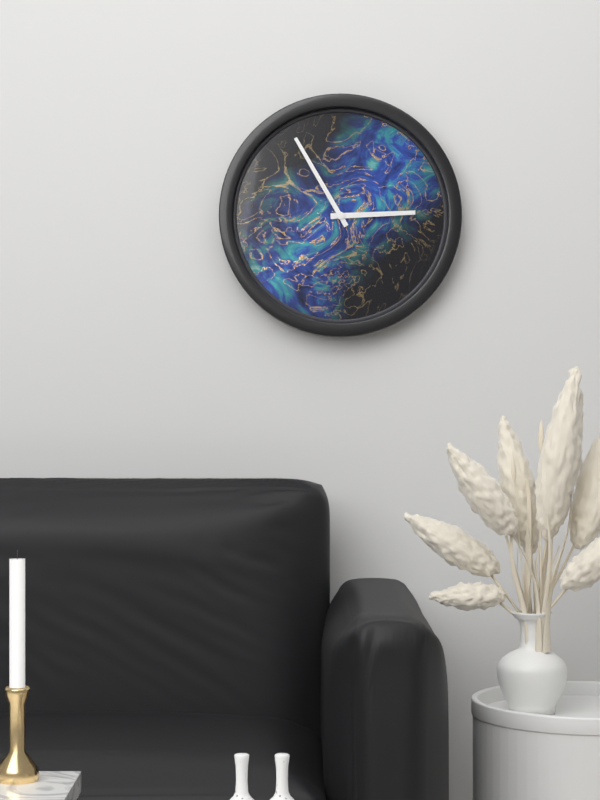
**2:55**
